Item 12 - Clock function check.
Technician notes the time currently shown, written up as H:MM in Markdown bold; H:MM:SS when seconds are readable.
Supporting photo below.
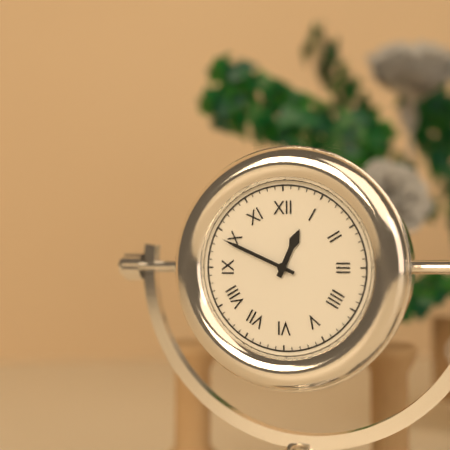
**12:49**
